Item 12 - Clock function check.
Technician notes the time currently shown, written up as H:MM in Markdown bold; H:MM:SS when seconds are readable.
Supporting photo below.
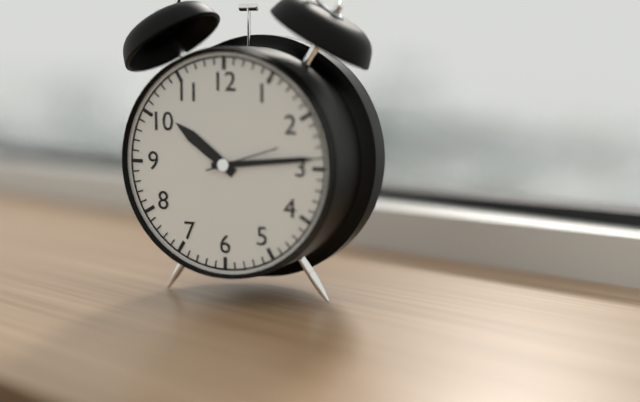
**10:14**
